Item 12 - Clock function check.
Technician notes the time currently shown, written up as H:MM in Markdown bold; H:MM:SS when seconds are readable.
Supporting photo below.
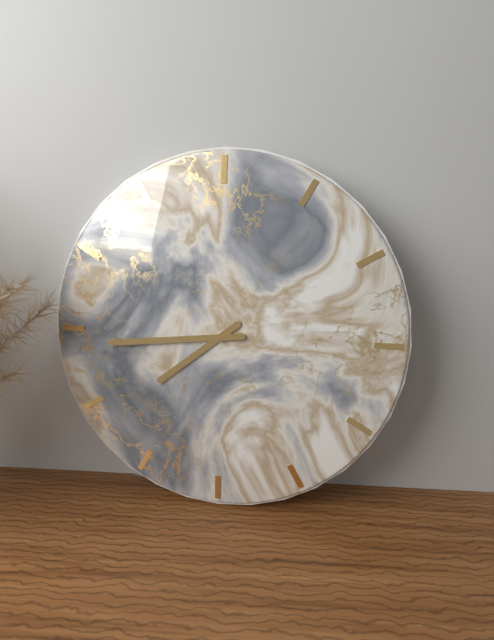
**7:44**
